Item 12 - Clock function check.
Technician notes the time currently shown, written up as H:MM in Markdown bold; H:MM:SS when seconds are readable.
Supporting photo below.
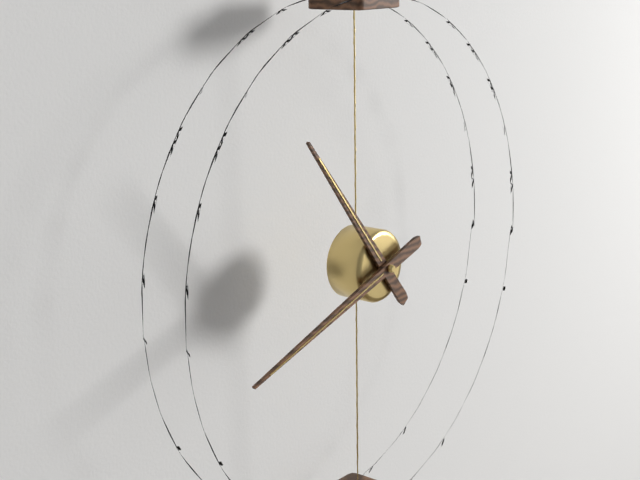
**10:42**
